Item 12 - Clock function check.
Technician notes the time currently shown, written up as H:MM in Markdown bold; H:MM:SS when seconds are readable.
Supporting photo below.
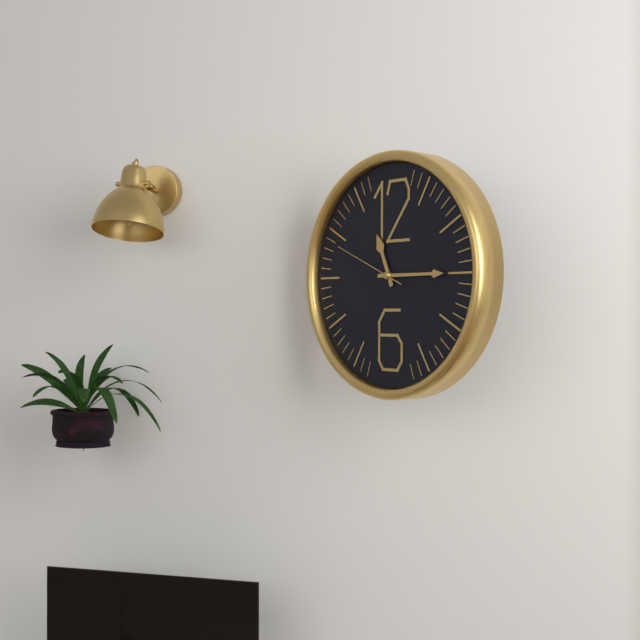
**11:15:49**
